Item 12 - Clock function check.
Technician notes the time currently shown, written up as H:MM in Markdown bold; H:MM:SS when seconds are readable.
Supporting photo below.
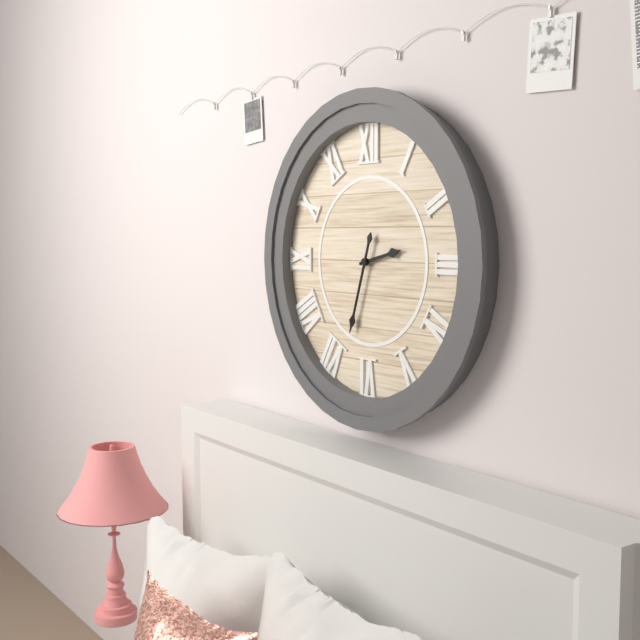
**2:33**
